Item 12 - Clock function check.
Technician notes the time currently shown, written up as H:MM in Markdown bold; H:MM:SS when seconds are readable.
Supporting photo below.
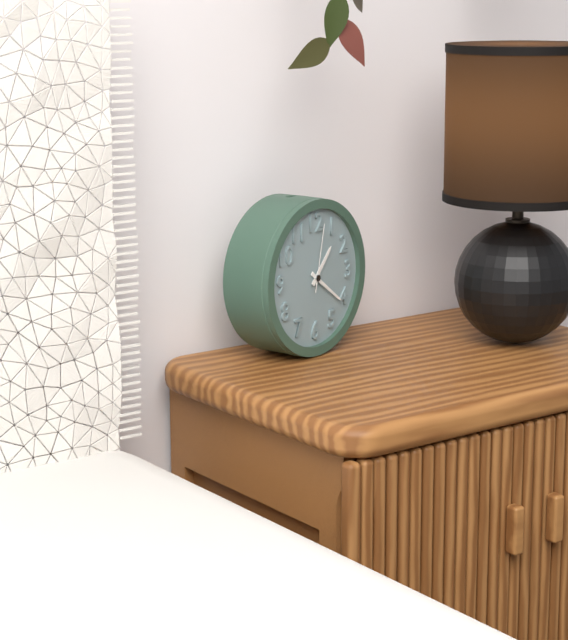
**1:21:02**
